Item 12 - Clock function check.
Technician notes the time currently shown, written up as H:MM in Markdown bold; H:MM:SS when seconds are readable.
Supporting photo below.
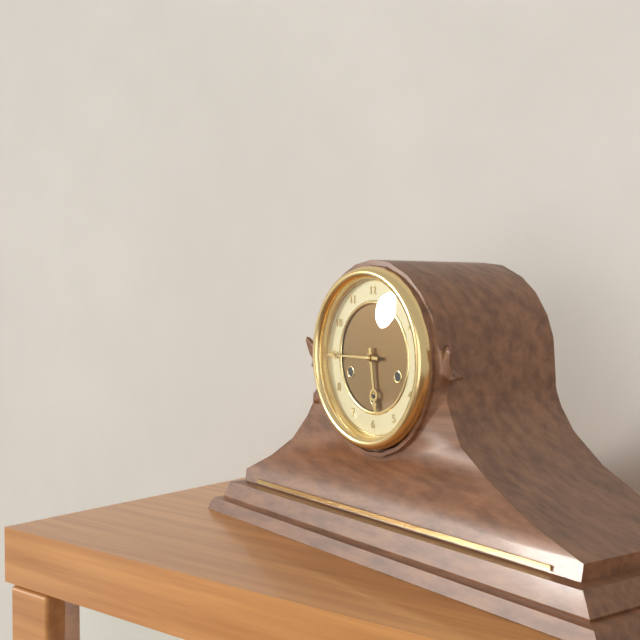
**5:45**
